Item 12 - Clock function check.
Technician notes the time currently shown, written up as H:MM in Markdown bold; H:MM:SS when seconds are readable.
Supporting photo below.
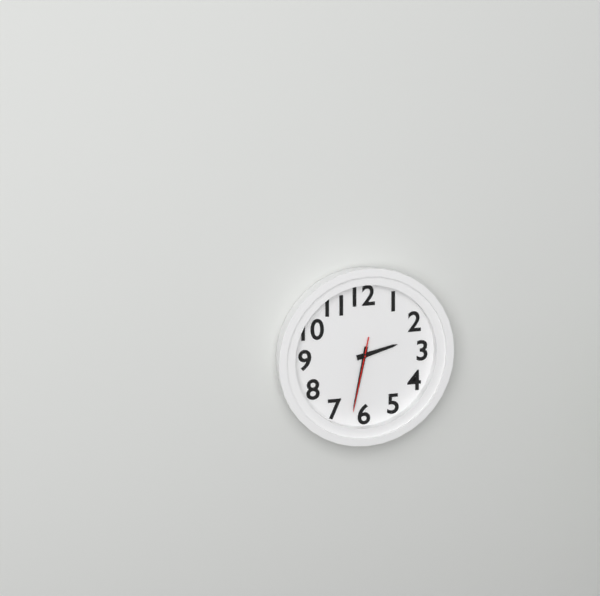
**2:32:32**
